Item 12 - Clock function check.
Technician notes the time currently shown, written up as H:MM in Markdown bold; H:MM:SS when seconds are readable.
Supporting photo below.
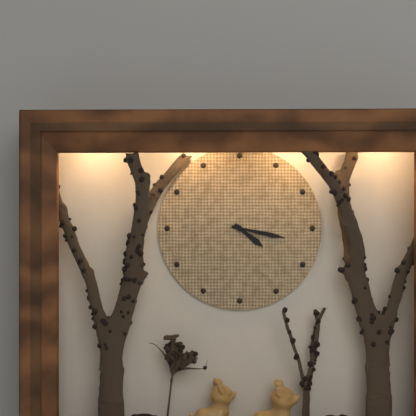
**4:17**
